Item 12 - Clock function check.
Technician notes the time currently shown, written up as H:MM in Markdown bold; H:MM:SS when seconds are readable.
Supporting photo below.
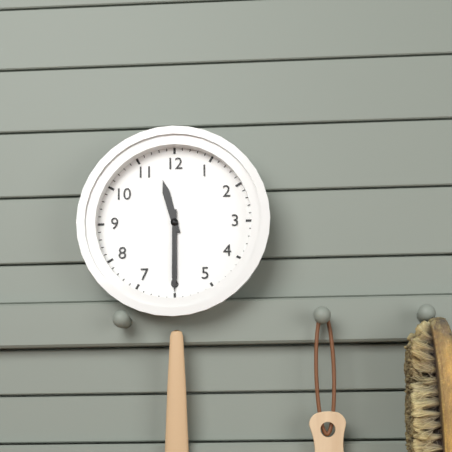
**11:30**
